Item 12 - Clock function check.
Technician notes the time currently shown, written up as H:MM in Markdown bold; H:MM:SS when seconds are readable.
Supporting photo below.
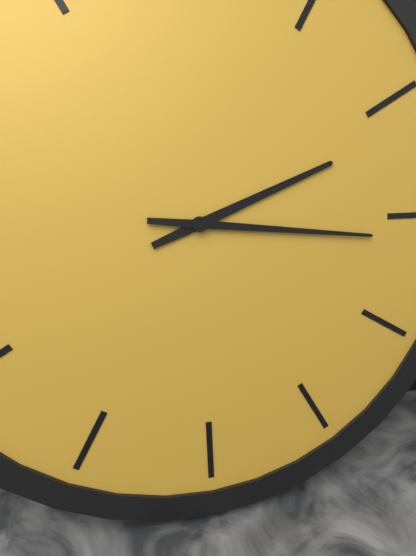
**2:16**
